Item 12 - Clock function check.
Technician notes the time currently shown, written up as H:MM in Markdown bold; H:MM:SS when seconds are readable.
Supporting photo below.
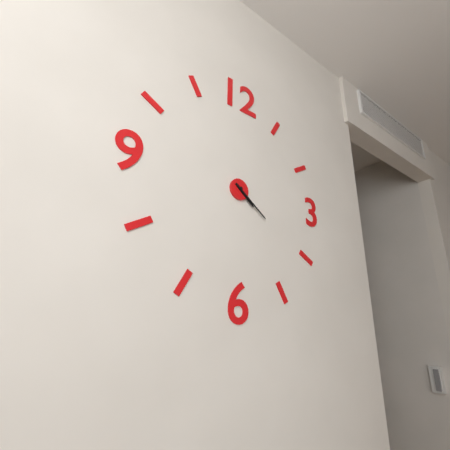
**4:21**
